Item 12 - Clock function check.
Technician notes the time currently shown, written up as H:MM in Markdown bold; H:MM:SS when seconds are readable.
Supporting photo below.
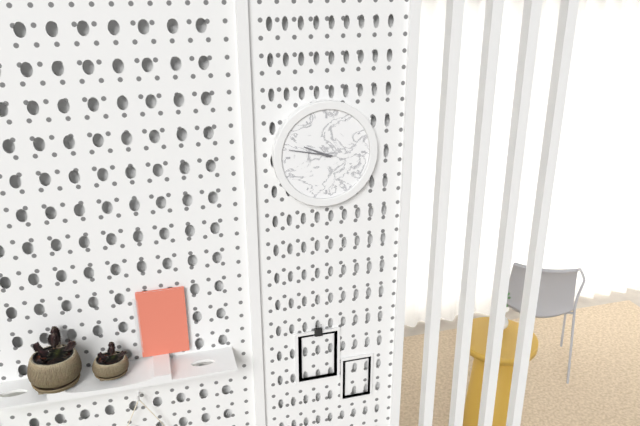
**9:47**
